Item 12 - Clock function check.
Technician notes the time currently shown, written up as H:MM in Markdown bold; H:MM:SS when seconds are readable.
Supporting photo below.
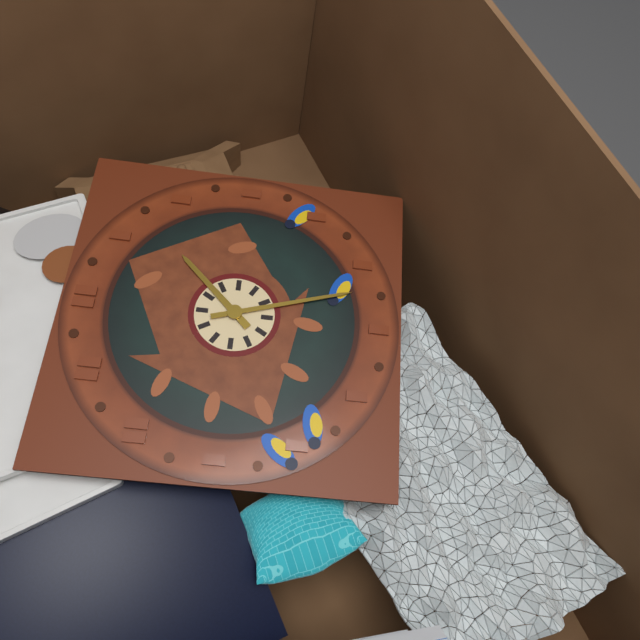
**1:27**
